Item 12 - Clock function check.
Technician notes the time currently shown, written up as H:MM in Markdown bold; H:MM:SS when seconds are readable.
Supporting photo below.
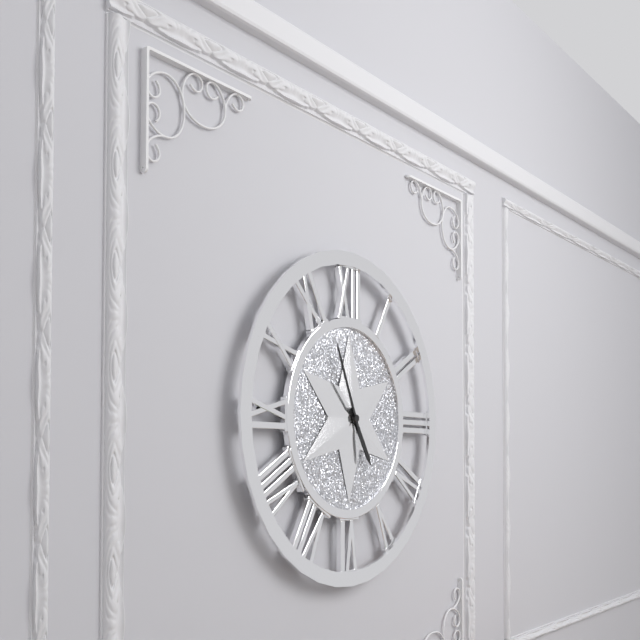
**4:56**
